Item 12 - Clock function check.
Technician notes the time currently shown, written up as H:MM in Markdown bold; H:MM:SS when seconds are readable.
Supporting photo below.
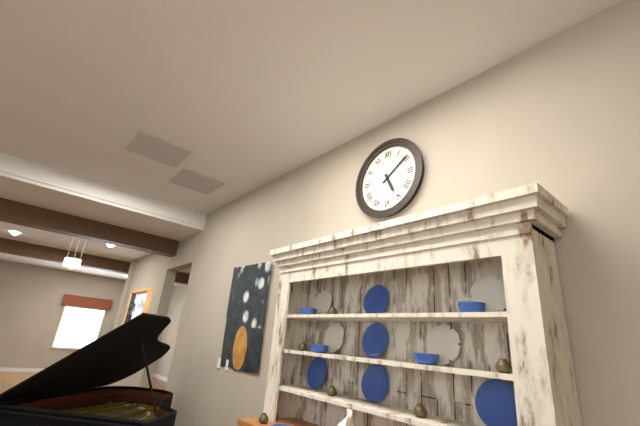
**5:09**
